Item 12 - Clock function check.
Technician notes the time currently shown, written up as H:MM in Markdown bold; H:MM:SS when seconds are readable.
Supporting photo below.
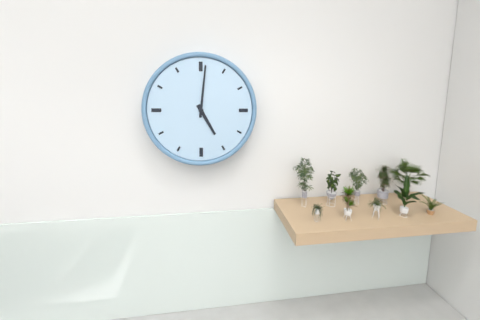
**5:01**
